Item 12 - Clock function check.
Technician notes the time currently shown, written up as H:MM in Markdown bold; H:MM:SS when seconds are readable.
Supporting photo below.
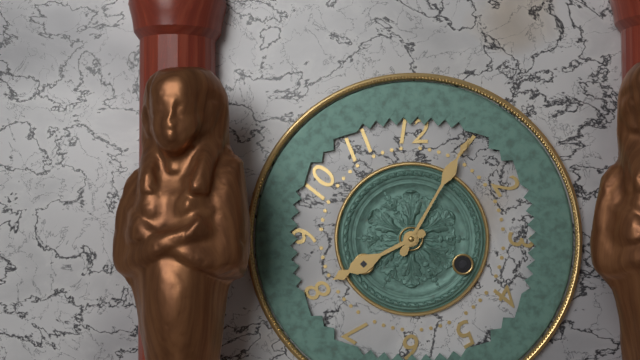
**8:05**
